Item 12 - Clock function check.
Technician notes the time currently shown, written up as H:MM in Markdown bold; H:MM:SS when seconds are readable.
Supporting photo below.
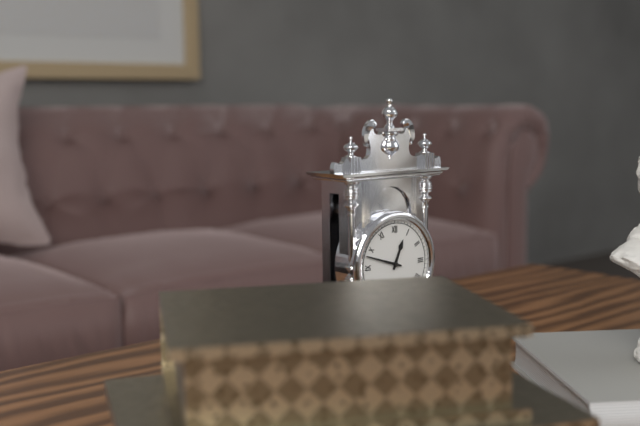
**12:48**
